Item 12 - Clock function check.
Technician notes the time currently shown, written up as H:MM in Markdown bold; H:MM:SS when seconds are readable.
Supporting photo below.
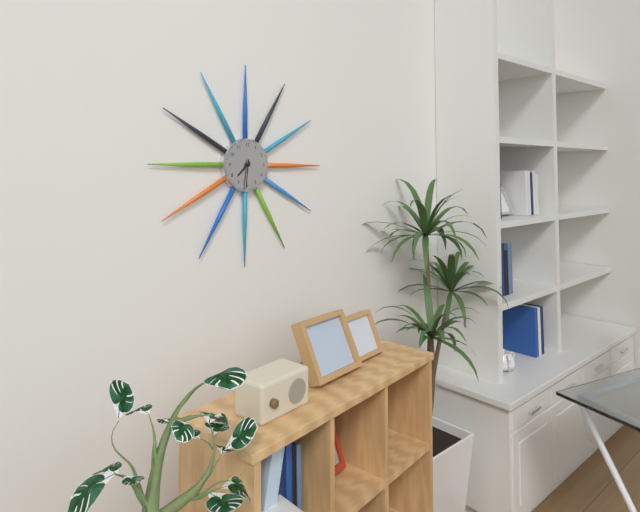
**7:31**
